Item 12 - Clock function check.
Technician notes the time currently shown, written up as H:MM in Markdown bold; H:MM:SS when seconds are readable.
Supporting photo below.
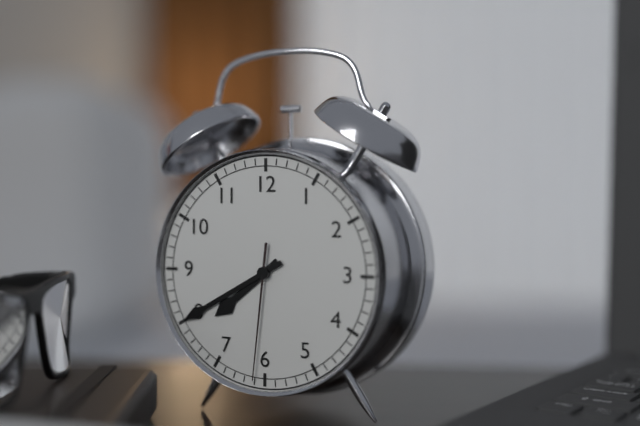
**7:40:31**
